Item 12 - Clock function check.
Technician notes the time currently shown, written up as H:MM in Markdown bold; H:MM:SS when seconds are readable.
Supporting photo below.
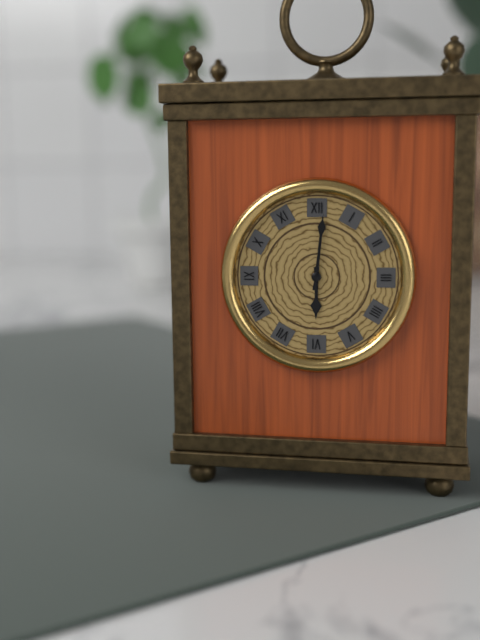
**6:01**
